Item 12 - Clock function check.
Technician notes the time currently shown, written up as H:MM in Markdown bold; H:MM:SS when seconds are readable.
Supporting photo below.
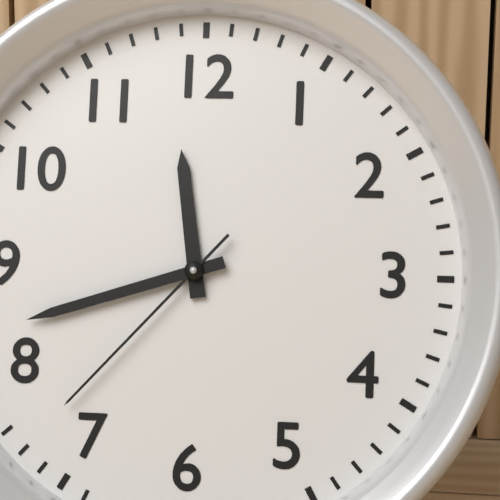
**11:42:37**
